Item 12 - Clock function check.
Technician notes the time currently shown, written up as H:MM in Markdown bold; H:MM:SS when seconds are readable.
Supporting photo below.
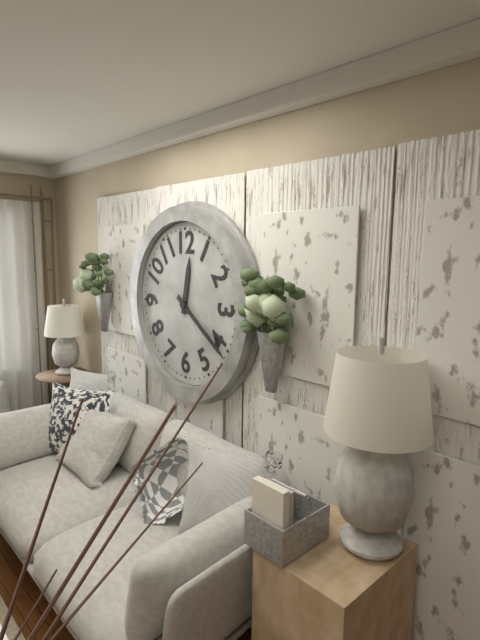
**12:21**
